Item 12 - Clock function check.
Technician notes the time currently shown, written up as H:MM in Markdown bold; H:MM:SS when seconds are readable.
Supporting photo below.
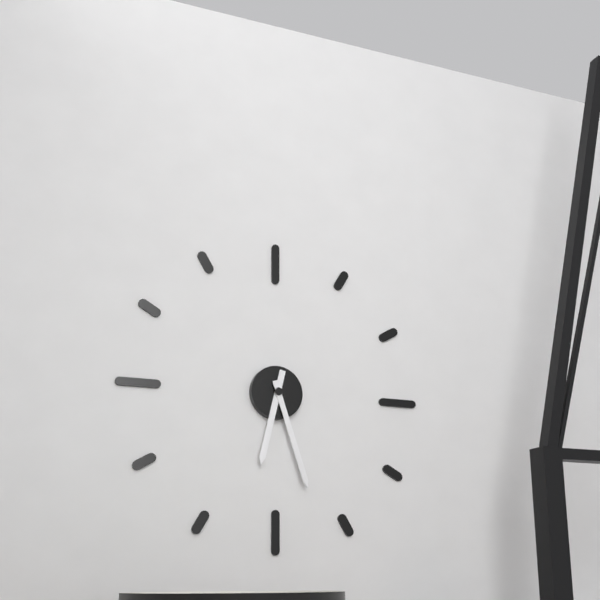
**6:27**
